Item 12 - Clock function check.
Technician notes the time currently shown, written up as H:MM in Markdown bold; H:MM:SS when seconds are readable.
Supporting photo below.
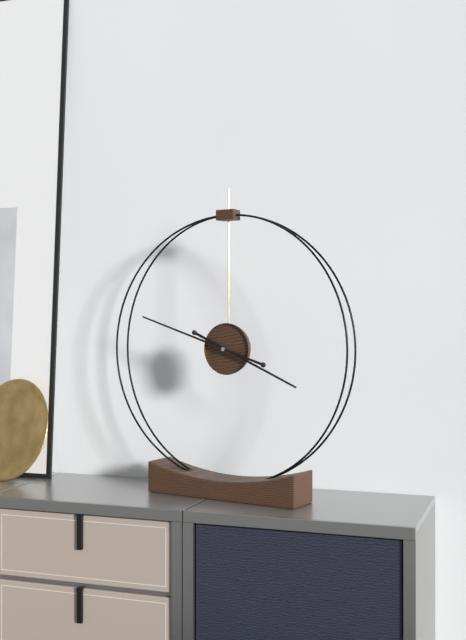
**3:48**
